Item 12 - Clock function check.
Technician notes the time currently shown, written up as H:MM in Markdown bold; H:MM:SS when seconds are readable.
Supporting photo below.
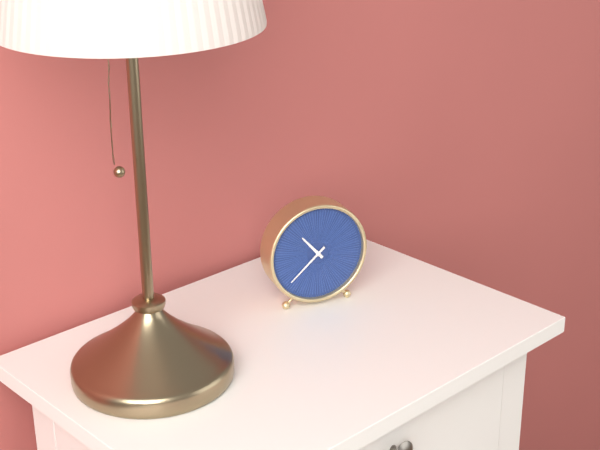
**10:38**
